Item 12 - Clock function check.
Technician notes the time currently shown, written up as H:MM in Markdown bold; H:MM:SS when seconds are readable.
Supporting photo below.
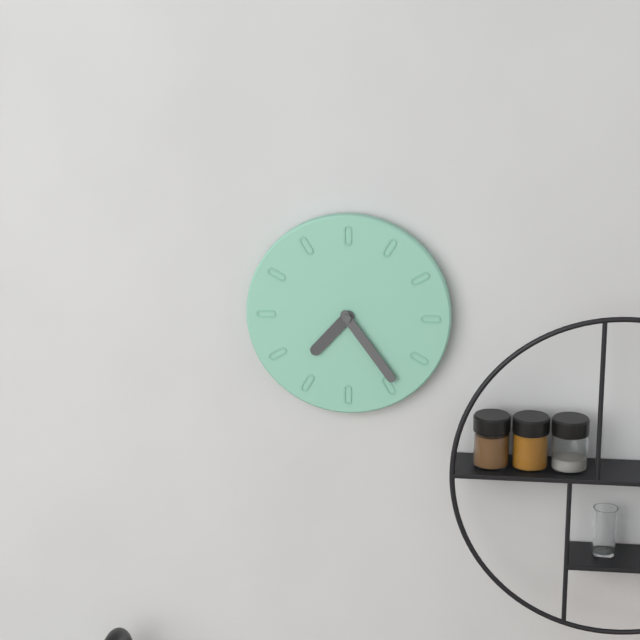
**7:24**
